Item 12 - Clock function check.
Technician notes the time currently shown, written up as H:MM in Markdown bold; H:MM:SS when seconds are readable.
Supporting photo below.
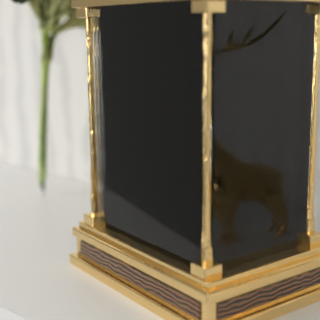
**4:08**
